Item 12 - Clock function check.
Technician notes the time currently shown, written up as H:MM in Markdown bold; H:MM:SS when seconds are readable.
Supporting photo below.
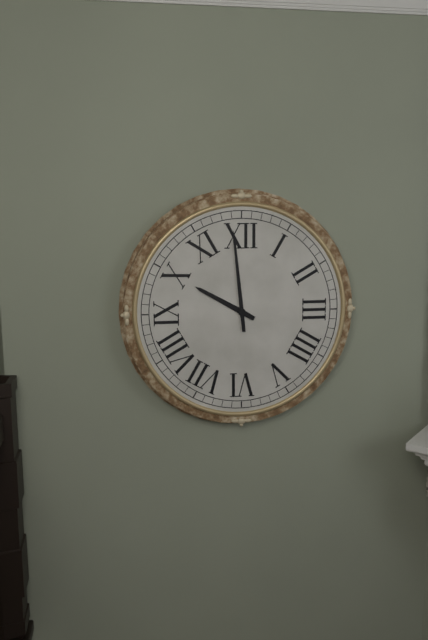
**9:59**
